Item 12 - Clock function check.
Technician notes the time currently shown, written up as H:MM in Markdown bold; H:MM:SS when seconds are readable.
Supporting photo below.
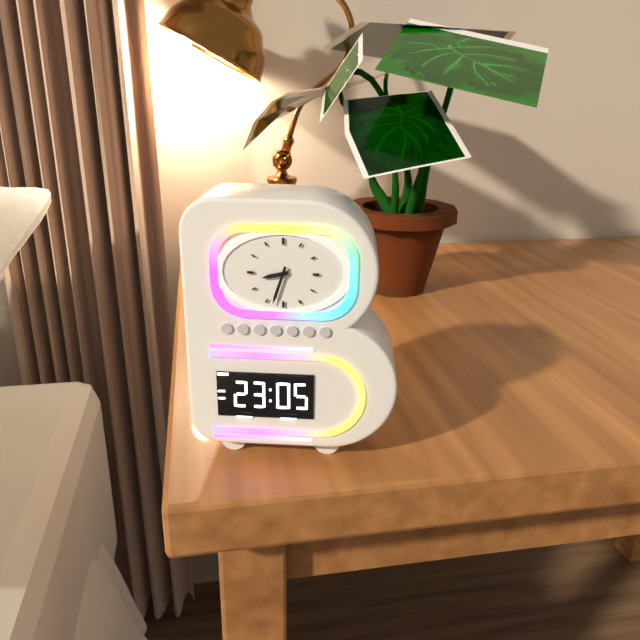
**8:33**
